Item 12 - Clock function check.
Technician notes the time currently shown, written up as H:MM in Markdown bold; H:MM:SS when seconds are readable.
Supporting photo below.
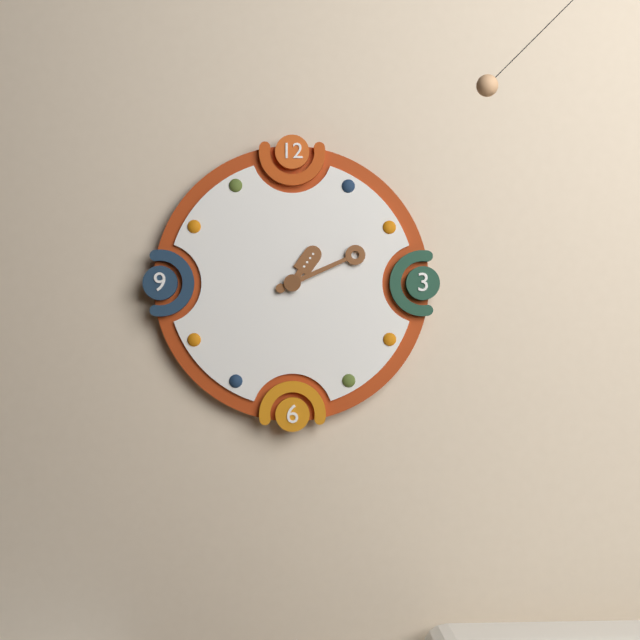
**1:11**
